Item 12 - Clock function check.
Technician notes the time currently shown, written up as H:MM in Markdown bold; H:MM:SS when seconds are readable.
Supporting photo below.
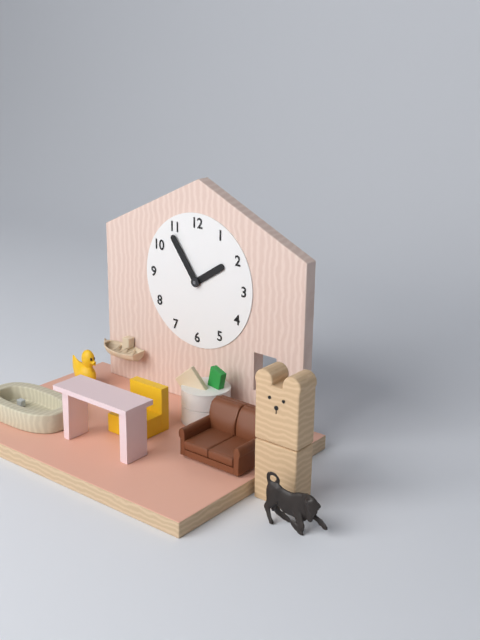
**1:54**
